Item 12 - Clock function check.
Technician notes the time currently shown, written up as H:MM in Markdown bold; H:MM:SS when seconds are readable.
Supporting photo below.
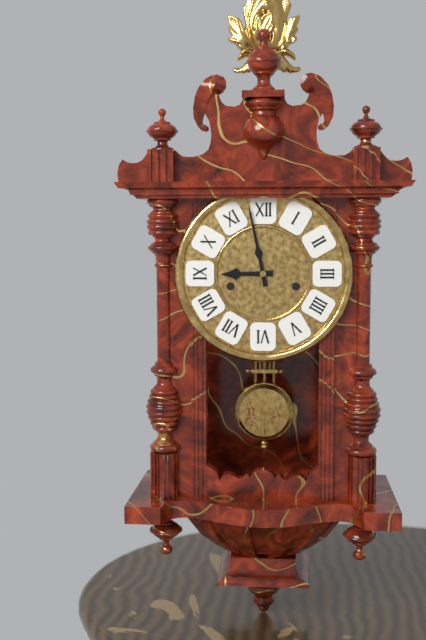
**8:58**
